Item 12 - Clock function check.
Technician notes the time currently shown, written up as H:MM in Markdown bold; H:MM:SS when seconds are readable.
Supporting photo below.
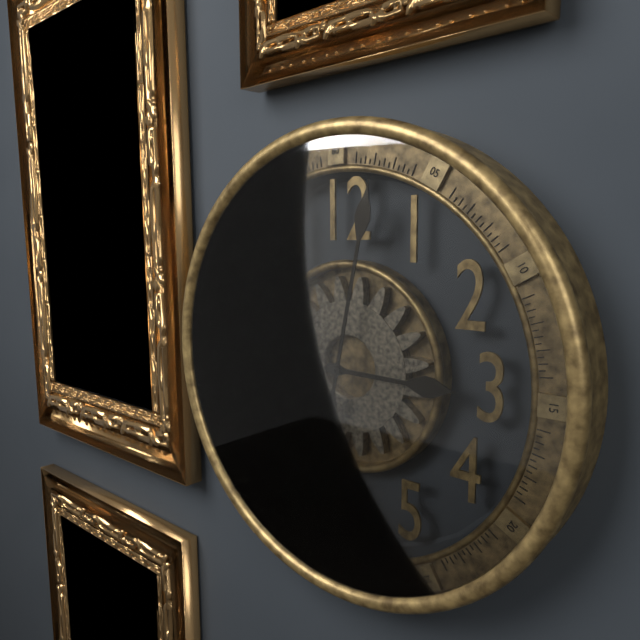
**3:02**
